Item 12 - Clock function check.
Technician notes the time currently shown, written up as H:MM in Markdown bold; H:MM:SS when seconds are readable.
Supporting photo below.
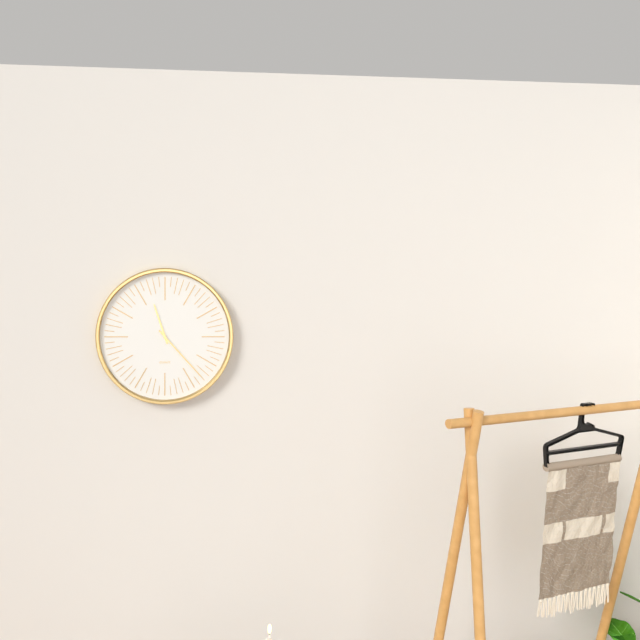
**11:23**
